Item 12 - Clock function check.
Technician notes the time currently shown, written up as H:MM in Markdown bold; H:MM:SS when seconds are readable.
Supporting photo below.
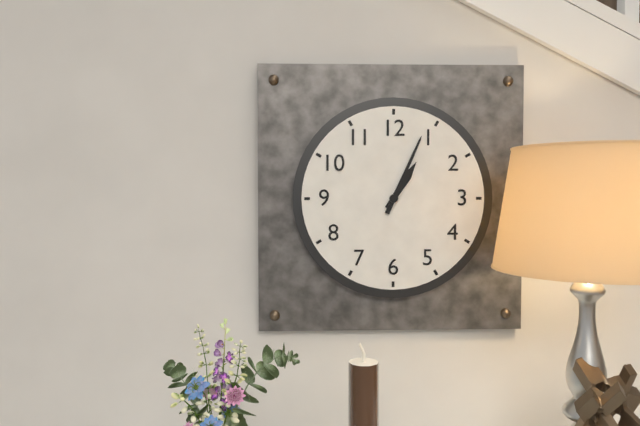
**1:04**
